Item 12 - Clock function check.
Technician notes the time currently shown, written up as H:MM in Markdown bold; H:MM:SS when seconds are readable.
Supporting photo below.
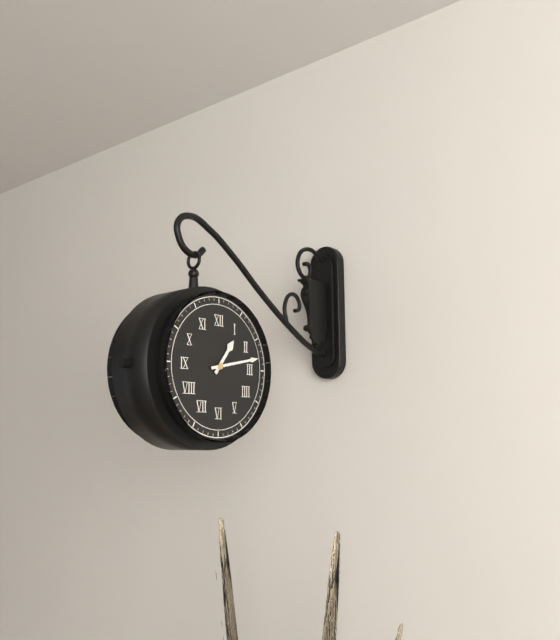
**1:13**
